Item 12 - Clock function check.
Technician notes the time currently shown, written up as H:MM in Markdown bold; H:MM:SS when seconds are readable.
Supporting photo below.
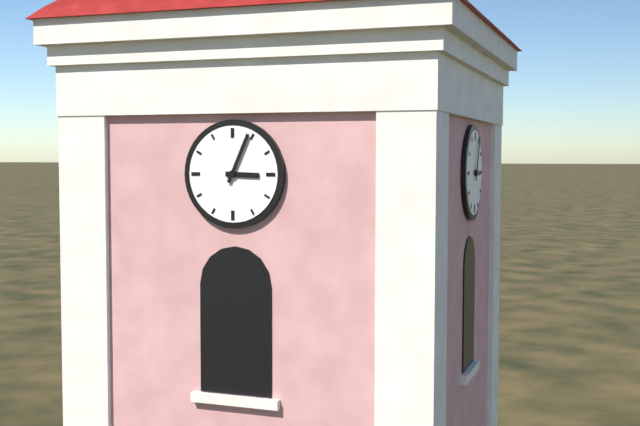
**3:04**
